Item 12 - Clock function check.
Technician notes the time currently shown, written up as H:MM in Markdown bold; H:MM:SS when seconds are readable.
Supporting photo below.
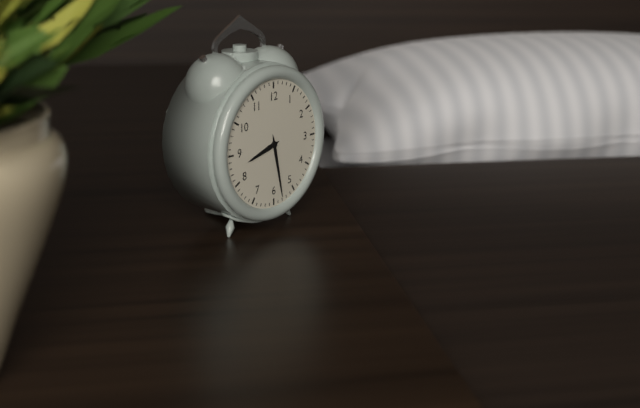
**8:28**
